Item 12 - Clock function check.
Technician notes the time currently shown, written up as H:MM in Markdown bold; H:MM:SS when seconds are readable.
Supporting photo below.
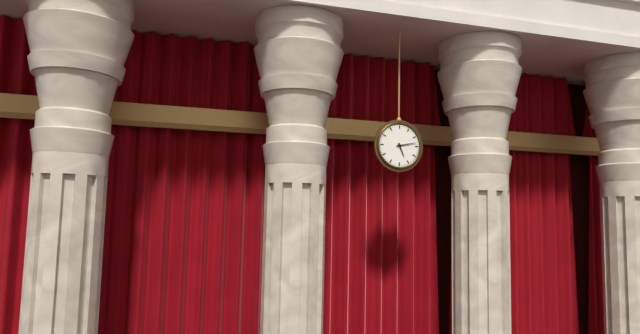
**5:13**
